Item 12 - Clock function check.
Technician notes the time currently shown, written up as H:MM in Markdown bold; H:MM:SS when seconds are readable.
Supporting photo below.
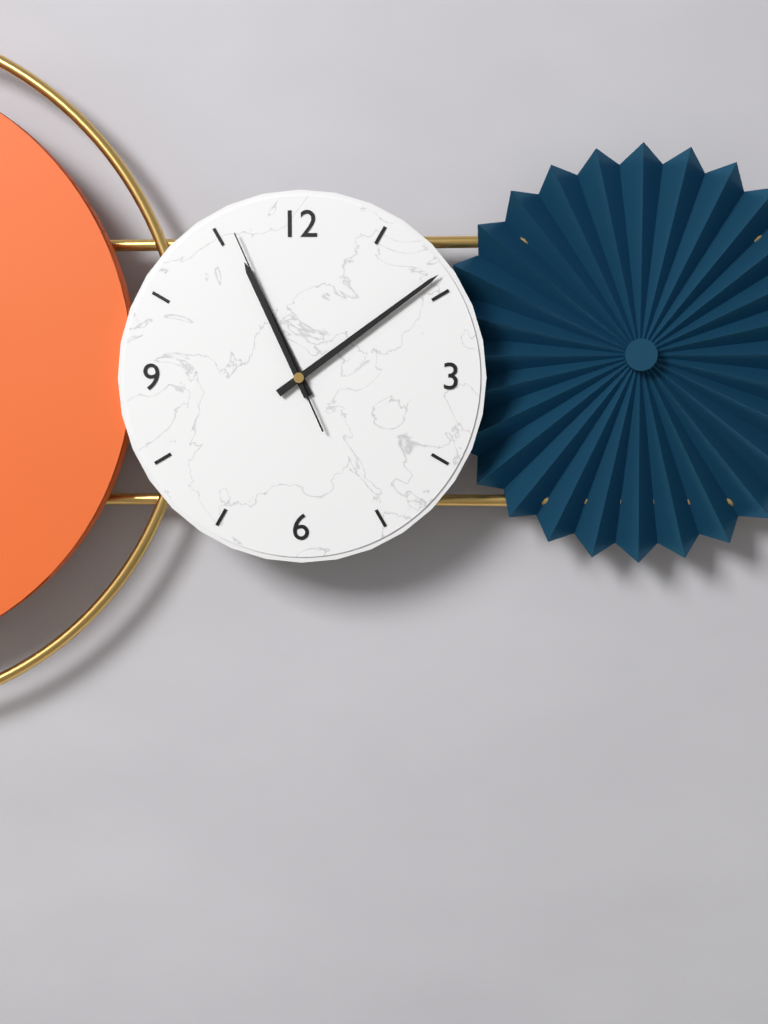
**11:09:56**
